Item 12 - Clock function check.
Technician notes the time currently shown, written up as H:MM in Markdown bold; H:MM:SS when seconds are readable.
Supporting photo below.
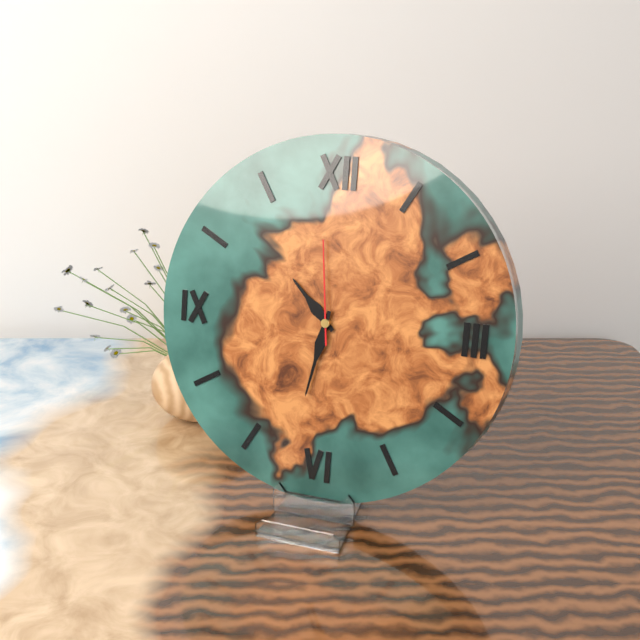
**10:32:59**
